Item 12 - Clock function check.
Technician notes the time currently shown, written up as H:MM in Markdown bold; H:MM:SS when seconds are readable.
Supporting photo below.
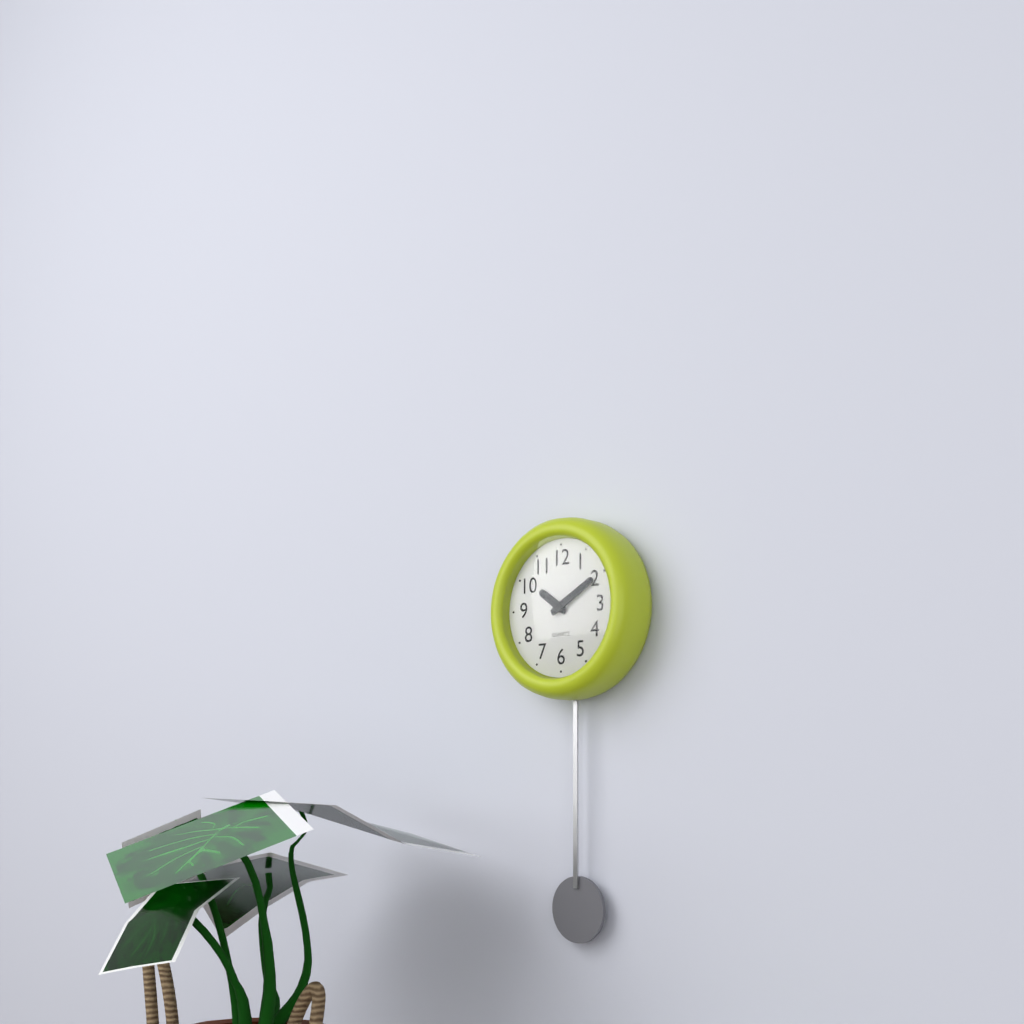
**10:10**
